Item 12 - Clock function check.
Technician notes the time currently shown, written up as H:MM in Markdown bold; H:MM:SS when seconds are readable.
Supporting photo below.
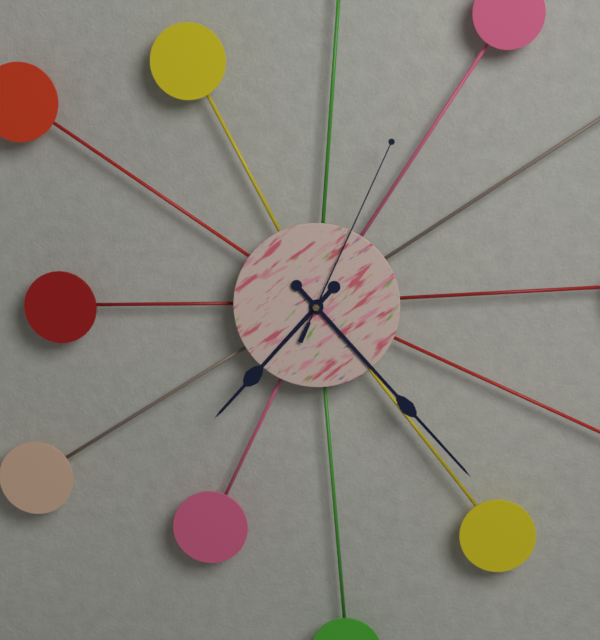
**7:23:04**
